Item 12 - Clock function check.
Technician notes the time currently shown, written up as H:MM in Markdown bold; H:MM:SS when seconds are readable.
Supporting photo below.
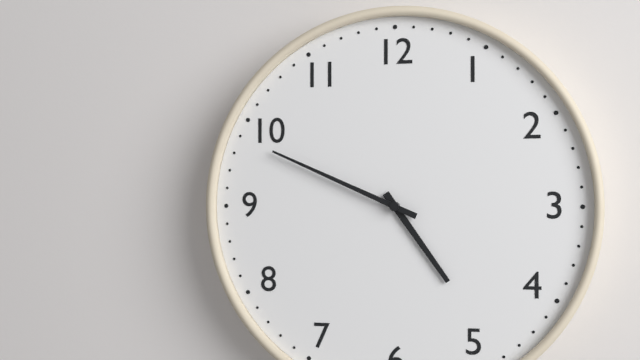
**4:49**
